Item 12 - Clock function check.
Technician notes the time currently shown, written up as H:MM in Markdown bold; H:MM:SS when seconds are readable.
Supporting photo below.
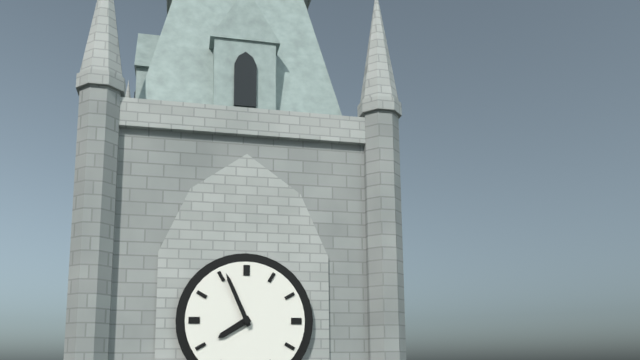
**7:56**
